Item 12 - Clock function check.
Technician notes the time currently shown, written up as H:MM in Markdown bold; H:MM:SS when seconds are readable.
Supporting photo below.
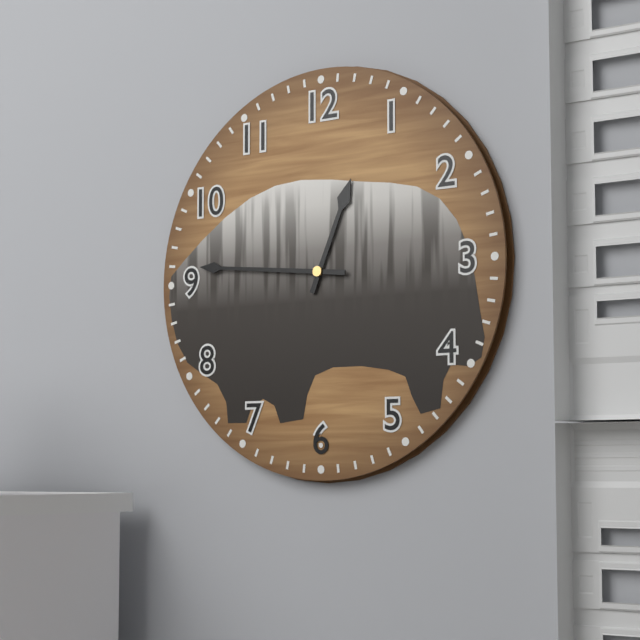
**12:46**
